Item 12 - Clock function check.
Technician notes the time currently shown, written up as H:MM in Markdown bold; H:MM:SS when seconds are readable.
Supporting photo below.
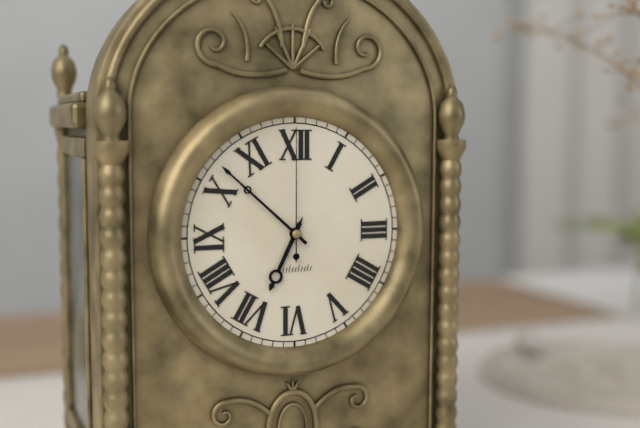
**6:52:00**
